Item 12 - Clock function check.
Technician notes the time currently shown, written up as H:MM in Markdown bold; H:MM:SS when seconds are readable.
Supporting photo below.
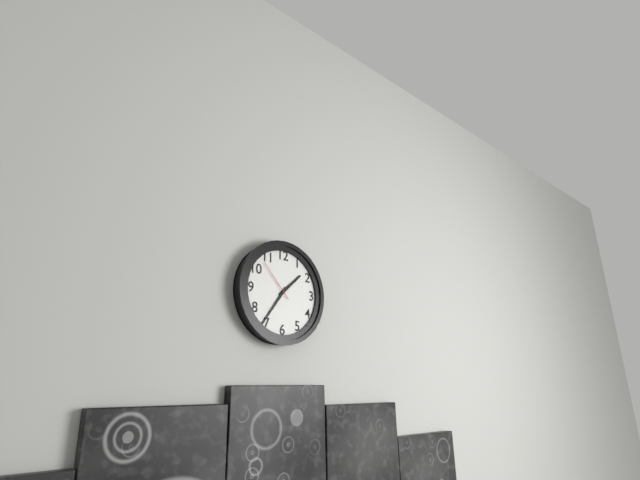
**1:36**
